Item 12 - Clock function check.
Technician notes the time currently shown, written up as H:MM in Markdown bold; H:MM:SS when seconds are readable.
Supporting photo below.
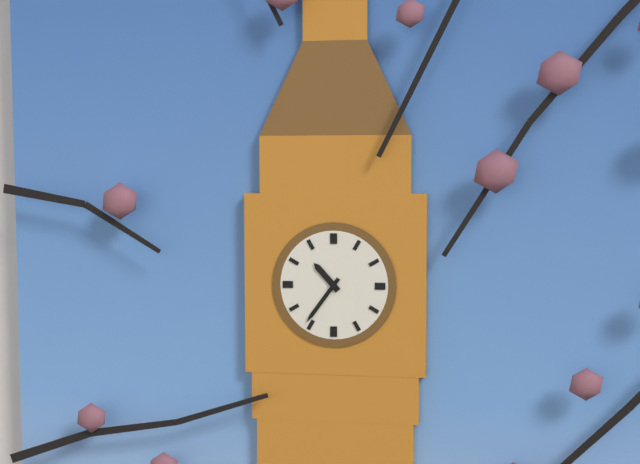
**10:36**
